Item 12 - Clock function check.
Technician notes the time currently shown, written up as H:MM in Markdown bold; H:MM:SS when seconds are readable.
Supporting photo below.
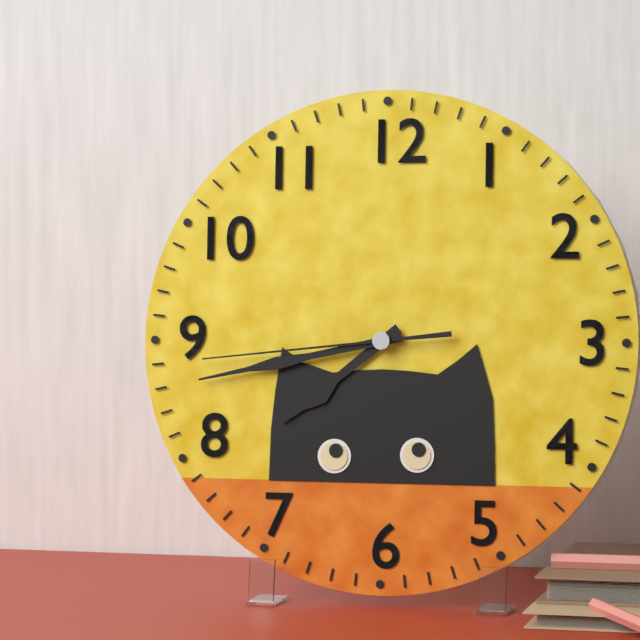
**7:43:44**
